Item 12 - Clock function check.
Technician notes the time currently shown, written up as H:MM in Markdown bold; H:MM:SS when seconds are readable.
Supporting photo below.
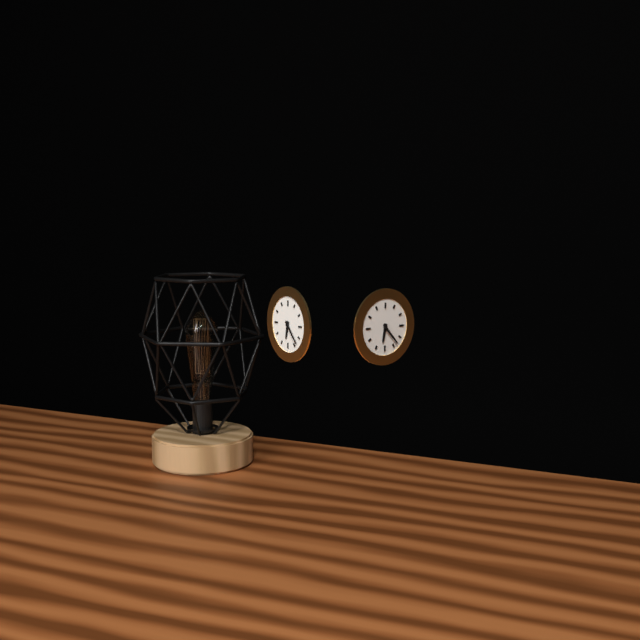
**6:23**
